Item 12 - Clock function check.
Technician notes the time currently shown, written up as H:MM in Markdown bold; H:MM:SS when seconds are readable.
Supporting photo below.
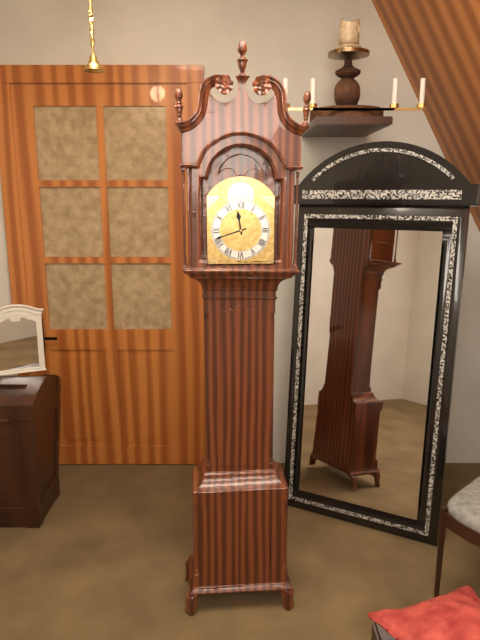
**11:42**
